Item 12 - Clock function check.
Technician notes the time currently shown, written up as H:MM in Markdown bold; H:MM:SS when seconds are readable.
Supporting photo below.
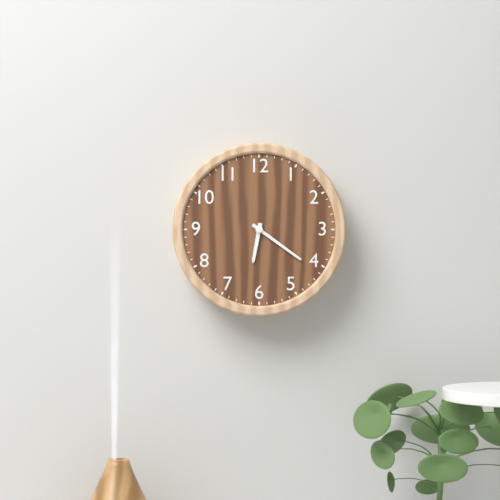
**6:21**
